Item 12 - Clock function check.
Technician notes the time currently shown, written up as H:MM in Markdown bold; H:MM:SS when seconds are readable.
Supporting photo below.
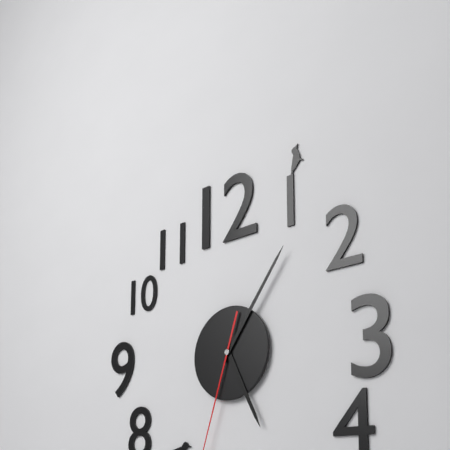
**5:06**
